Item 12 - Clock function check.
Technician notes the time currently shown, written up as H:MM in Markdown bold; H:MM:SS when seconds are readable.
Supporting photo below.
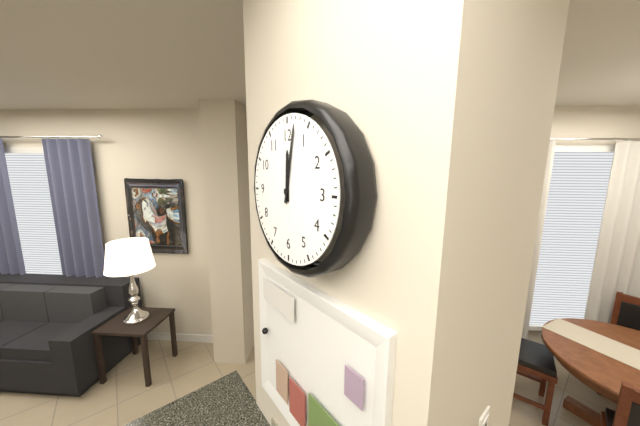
**12:02**
